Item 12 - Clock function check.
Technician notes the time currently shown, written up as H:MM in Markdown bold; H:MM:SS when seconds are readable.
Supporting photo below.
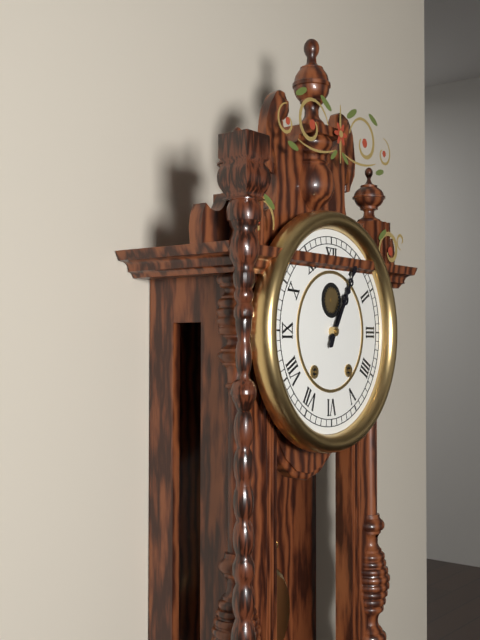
**1:05**
